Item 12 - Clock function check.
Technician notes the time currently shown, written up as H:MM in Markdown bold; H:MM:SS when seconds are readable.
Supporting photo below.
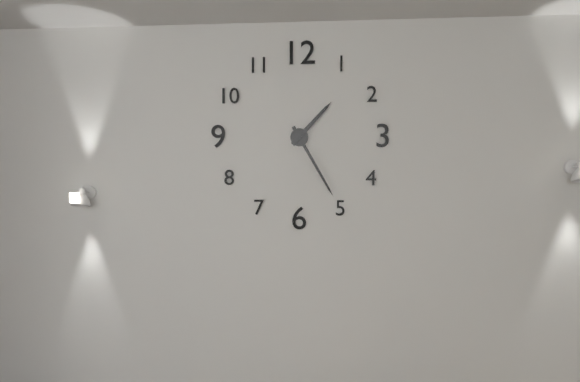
**1:25**
